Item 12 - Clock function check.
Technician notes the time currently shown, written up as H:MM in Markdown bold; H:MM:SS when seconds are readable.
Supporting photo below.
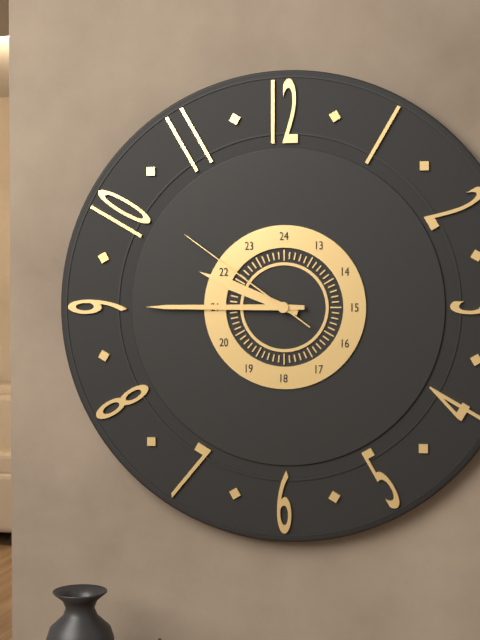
**9:45:51**
